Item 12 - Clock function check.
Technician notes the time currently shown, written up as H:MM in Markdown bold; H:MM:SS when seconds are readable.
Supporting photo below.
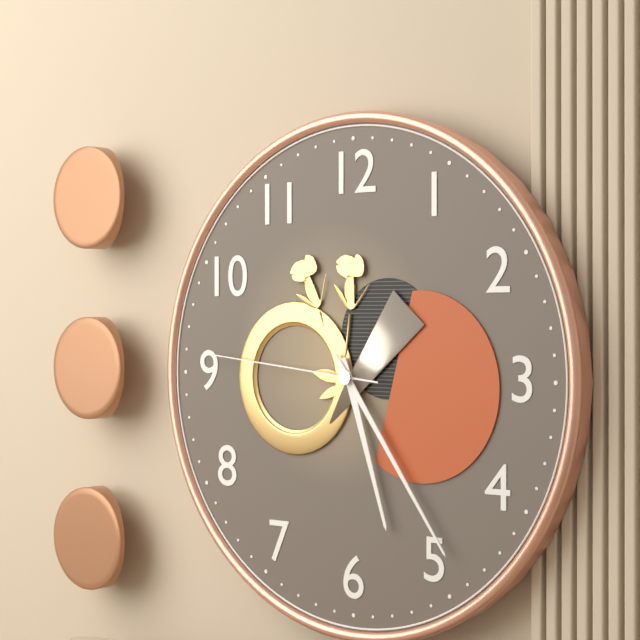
**5:24:46**
